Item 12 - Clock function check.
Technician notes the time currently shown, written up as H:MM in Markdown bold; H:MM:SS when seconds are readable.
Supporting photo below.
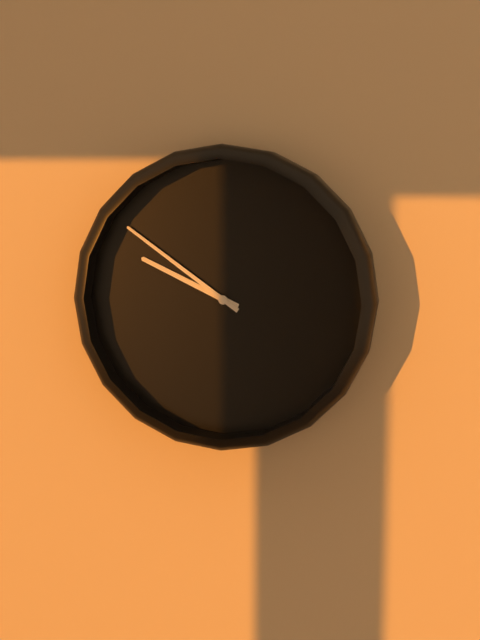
**9:51**
